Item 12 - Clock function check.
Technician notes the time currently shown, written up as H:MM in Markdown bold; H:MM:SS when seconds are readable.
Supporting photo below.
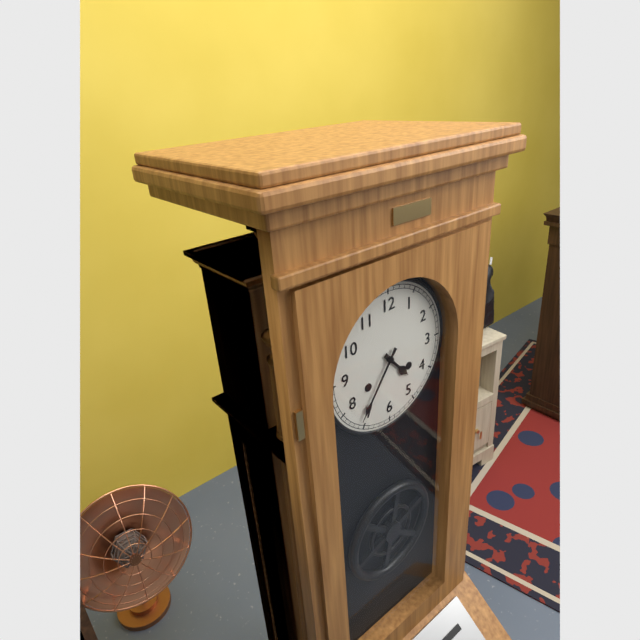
**4:36**
